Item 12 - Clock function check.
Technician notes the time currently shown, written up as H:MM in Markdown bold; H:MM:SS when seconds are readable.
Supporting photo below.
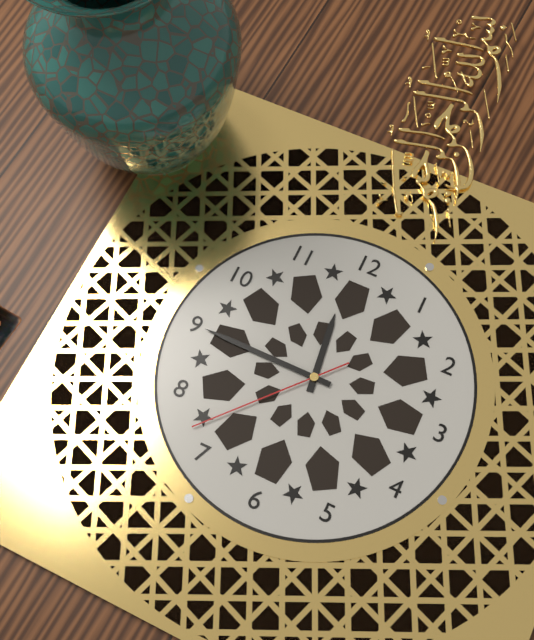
**11:45:37**
